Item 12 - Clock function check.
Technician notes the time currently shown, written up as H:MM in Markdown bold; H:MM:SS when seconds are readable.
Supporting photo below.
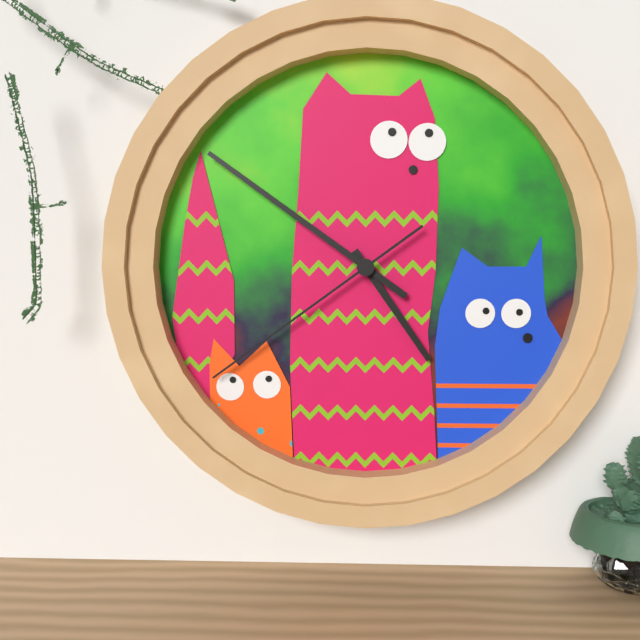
**4:51:39**
